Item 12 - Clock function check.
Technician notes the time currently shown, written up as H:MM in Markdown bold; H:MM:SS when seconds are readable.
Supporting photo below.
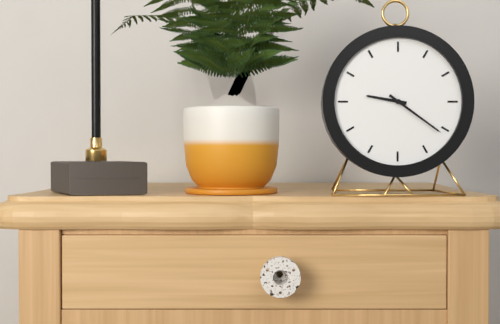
**9:21**
